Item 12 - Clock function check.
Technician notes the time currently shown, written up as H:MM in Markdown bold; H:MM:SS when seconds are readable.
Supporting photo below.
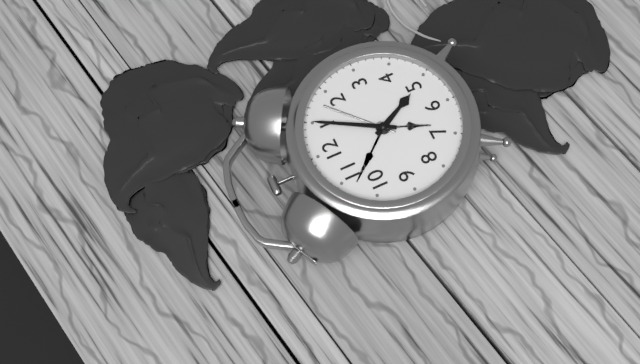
**5:05**
